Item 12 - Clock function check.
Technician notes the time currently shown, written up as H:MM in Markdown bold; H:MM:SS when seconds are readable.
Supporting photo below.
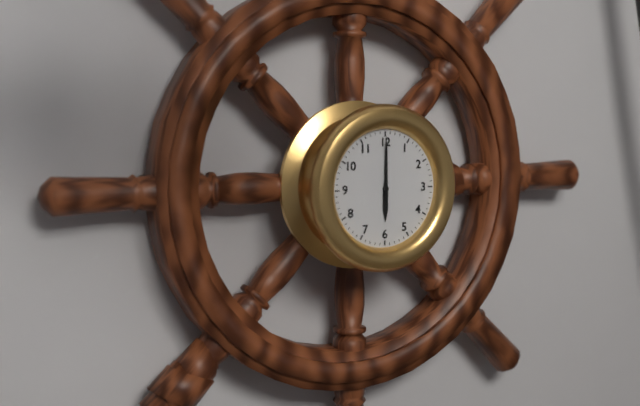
**6:00**
